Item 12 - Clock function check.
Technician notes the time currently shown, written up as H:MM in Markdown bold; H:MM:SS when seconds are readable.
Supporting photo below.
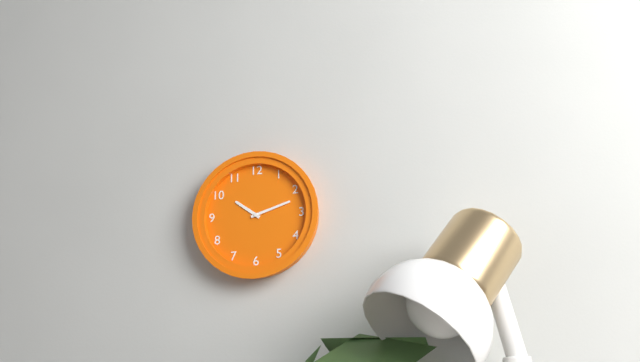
**10:12**
